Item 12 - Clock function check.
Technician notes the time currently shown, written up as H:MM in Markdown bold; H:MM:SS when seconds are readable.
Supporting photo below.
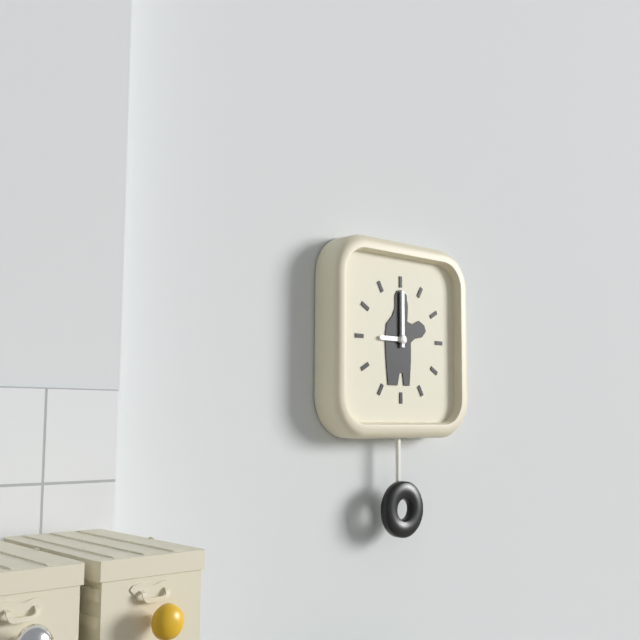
**9:00**
